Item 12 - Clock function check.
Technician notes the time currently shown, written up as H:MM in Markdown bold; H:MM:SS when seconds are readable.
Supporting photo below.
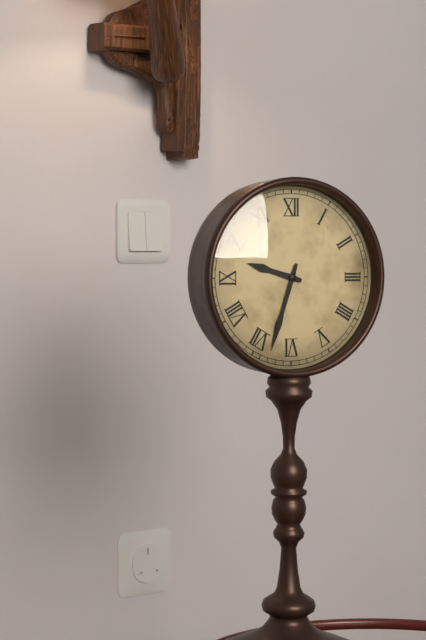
**9:33**
